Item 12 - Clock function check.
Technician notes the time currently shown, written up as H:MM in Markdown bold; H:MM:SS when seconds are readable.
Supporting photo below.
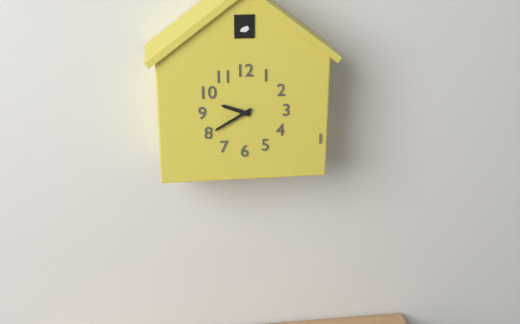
**9:40**
